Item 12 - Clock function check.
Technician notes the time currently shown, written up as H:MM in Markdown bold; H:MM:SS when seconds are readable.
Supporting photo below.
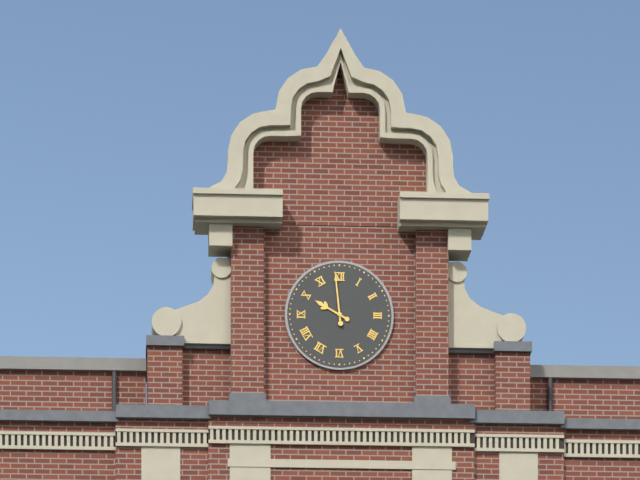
**9:59**
